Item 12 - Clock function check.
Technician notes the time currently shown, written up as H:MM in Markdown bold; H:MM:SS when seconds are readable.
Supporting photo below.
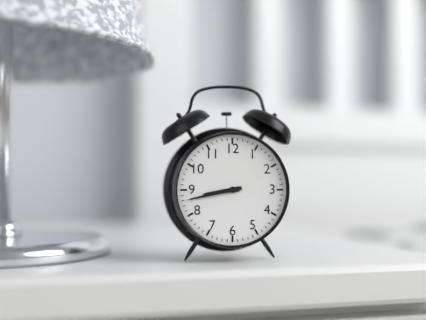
**8:43**
